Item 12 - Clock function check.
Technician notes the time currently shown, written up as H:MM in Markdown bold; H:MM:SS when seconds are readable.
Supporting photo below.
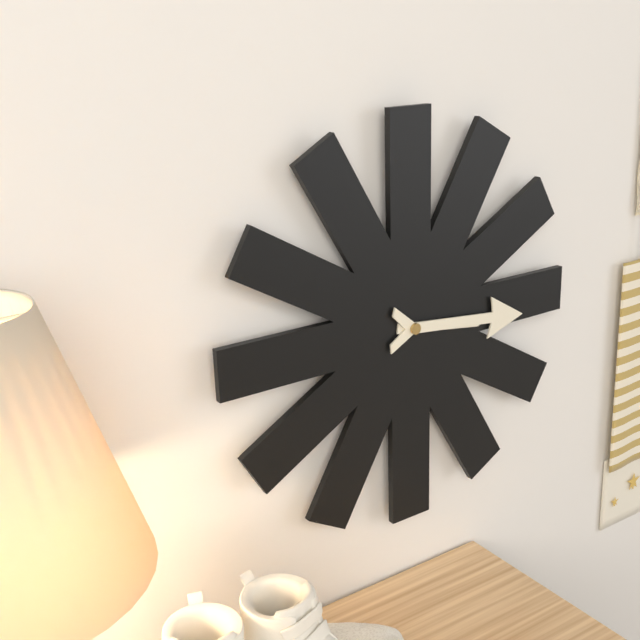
**3:16**
